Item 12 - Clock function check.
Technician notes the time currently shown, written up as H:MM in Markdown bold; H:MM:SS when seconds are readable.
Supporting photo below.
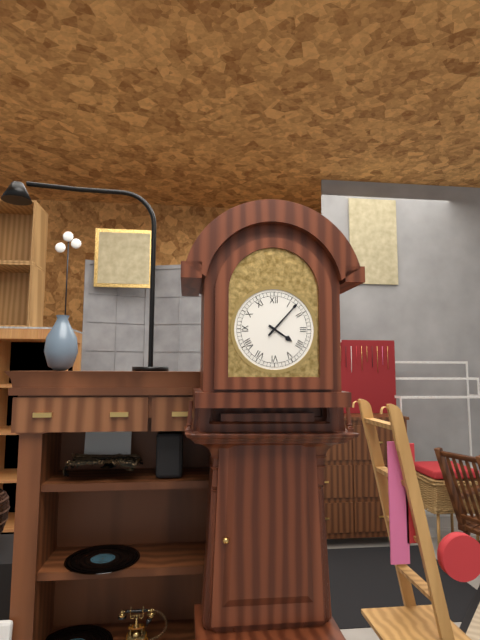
**4:07**
